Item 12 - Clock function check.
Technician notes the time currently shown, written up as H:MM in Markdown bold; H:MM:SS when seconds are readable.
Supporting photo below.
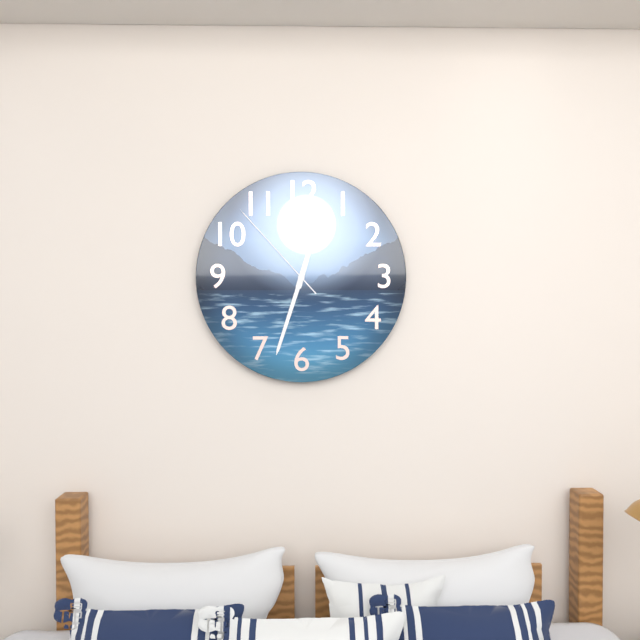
**12:33:53**
